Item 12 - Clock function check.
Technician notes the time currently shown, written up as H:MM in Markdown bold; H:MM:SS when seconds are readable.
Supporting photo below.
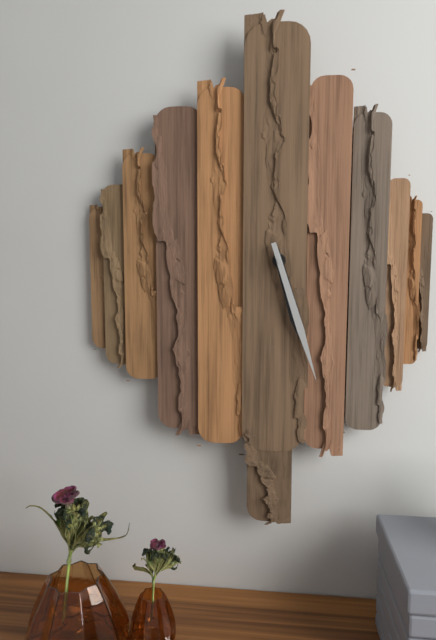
**5:27**
